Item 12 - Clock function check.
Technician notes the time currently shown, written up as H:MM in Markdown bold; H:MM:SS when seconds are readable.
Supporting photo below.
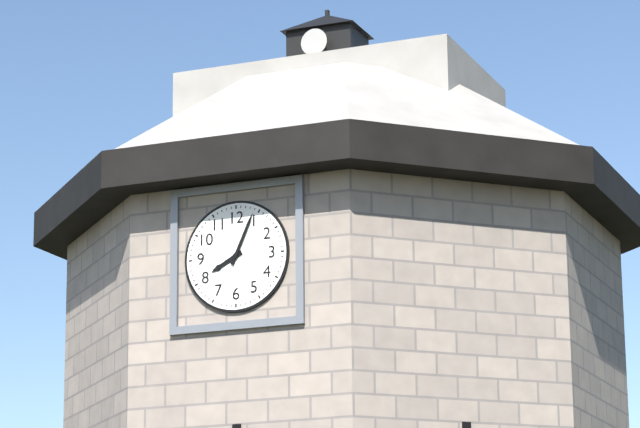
**8:04**
